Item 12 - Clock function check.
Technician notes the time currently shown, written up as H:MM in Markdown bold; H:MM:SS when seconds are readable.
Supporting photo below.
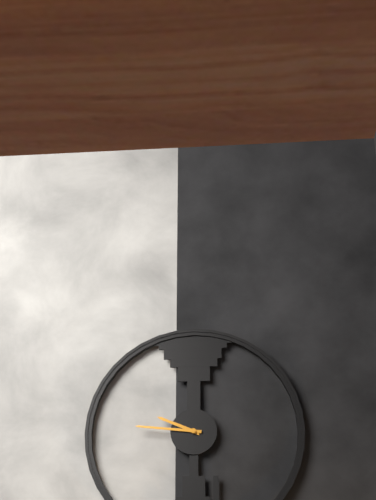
**9:46**
